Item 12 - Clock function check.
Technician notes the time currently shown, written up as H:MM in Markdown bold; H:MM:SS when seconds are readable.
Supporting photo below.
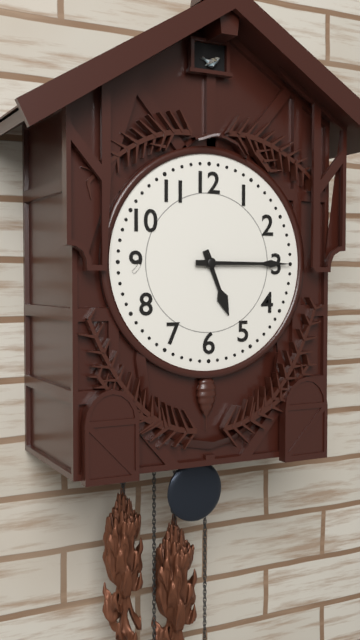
**5:15**
